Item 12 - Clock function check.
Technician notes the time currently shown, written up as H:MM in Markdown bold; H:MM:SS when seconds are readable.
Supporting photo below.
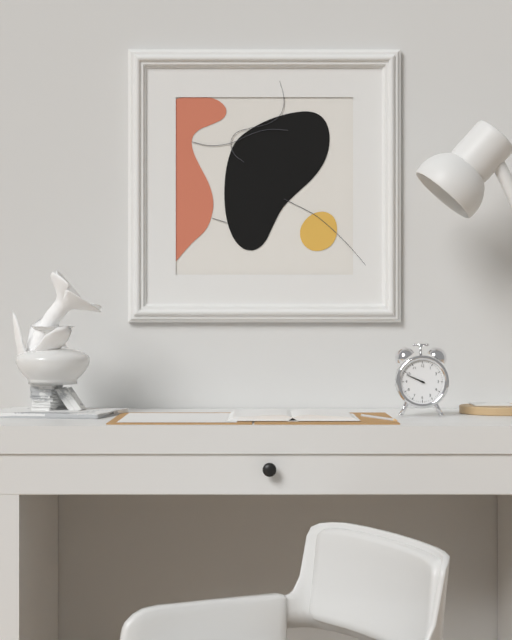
**9:49**
